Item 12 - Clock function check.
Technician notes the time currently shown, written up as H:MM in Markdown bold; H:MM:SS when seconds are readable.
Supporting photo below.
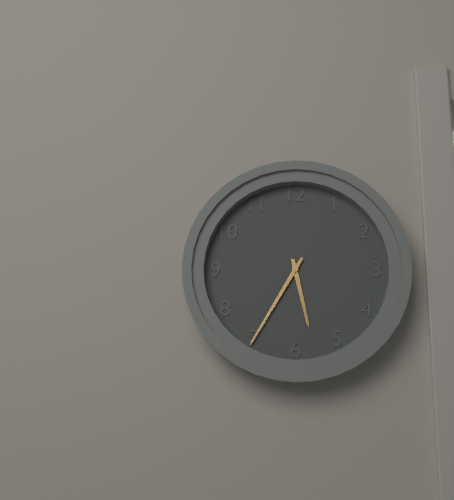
**5:35**
